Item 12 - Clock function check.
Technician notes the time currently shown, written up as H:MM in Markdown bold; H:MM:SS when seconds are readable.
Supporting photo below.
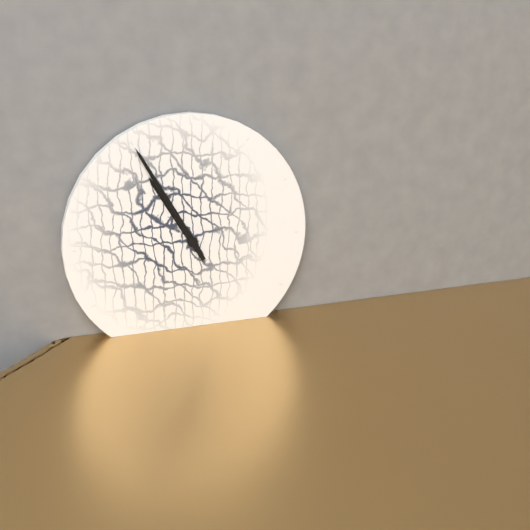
**10:55**
